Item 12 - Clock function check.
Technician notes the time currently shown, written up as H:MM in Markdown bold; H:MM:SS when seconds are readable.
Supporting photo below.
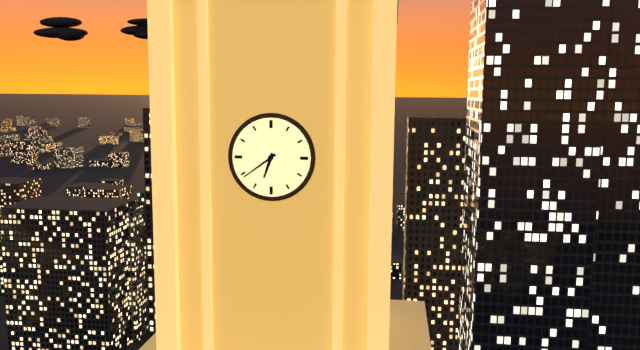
**6:39**
